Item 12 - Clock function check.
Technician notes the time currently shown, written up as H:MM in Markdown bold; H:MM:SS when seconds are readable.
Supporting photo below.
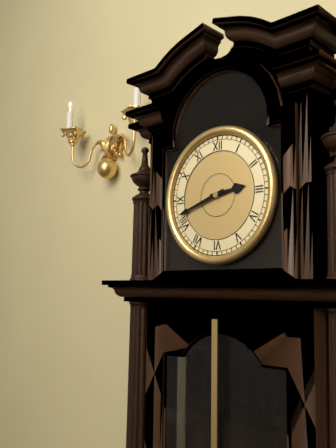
**2:42**
